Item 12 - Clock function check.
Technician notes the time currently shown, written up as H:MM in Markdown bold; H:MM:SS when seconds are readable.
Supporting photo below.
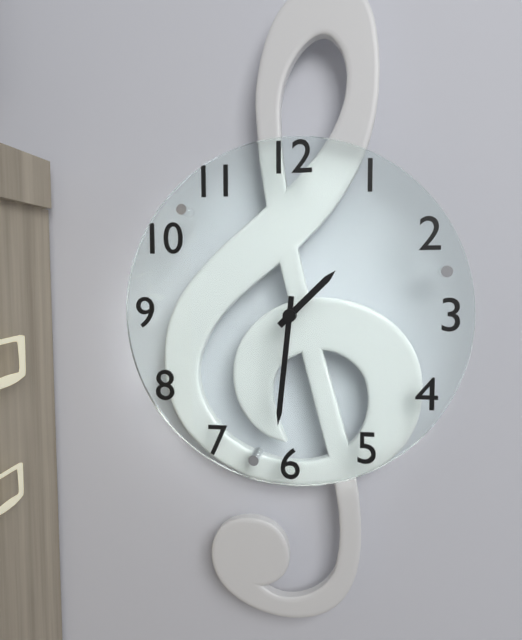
**1:31**
